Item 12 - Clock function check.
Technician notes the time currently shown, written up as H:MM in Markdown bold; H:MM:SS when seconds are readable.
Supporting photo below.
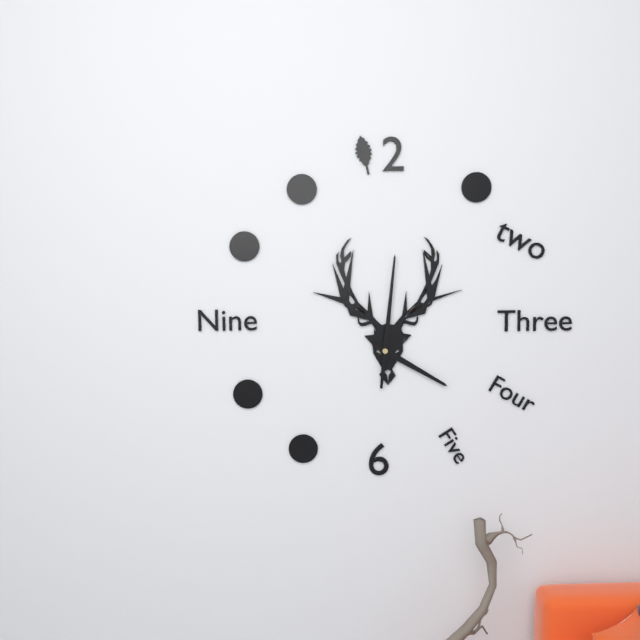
**4:01**
